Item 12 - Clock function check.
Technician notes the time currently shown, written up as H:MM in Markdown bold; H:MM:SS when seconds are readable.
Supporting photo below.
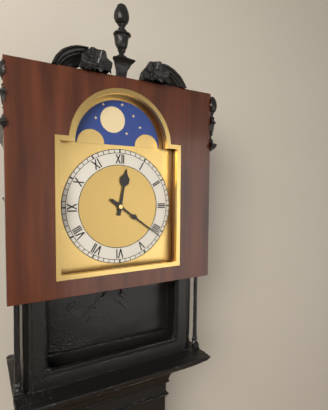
**12:21**
